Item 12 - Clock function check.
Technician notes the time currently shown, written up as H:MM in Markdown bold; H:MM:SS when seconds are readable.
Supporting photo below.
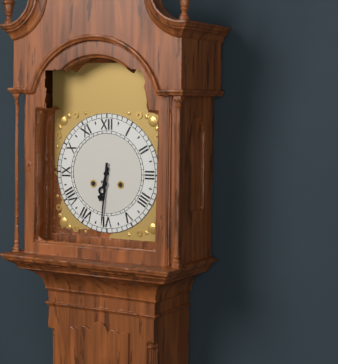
**6:31**
